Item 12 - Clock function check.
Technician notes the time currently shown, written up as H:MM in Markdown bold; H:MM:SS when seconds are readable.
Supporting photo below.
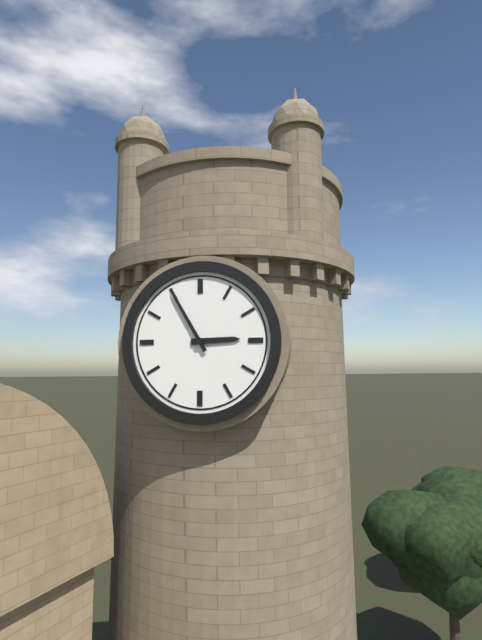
**2:55**
